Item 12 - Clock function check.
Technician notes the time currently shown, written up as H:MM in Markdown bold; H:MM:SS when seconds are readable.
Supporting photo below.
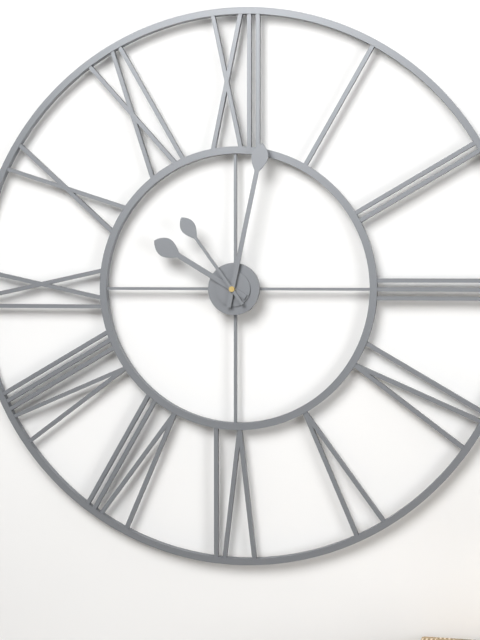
**10:02:54**
